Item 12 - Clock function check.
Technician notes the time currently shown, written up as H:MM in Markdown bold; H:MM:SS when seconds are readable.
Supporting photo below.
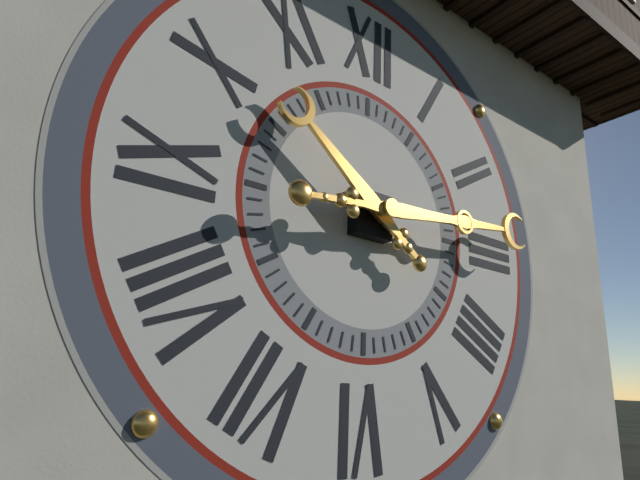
**10:14**
